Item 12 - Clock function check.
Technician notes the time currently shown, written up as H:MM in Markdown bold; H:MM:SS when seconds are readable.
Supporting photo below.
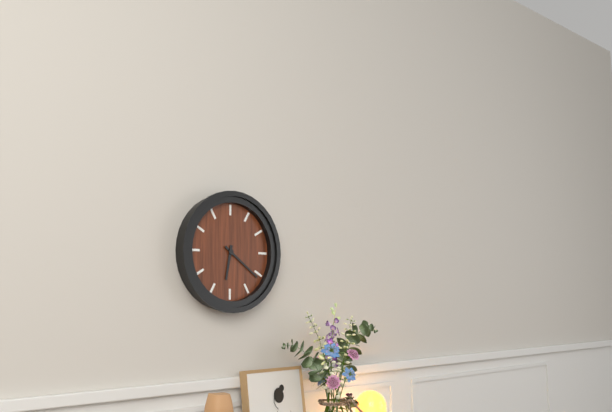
**6:21**
